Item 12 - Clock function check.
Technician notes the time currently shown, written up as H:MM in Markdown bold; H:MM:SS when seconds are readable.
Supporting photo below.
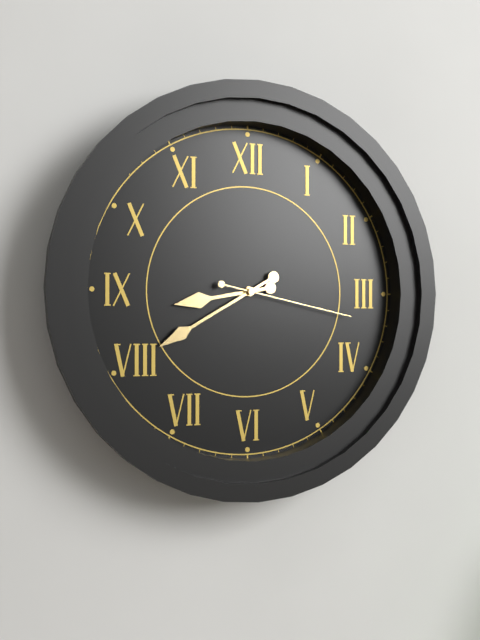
**8:40:17**
